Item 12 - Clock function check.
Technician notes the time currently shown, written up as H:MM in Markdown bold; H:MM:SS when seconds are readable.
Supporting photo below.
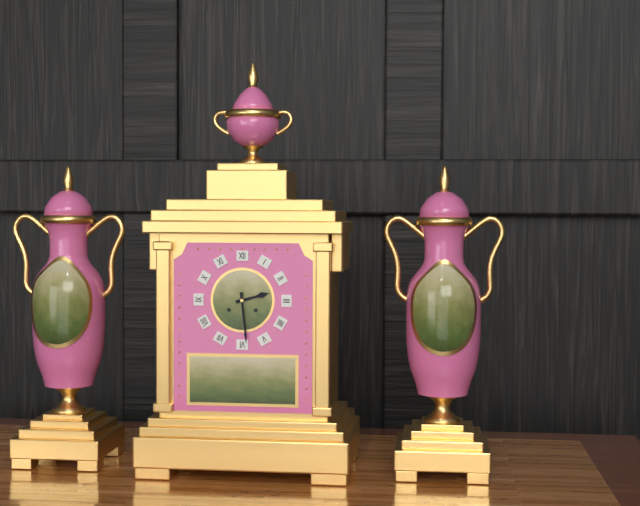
**2:29**
